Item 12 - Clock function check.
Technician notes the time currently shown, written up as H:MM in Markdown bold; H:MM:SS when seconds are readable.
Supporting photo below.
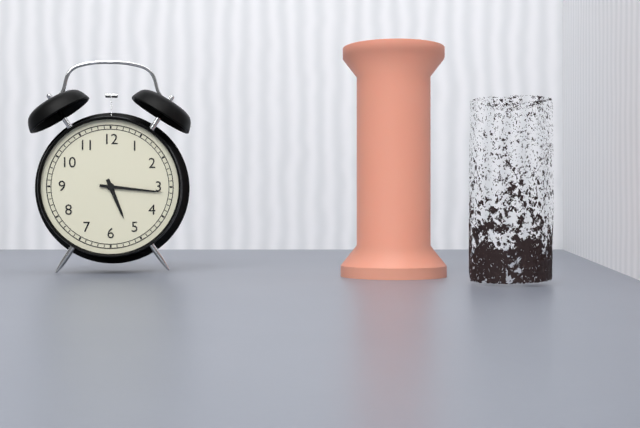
**5:16**
